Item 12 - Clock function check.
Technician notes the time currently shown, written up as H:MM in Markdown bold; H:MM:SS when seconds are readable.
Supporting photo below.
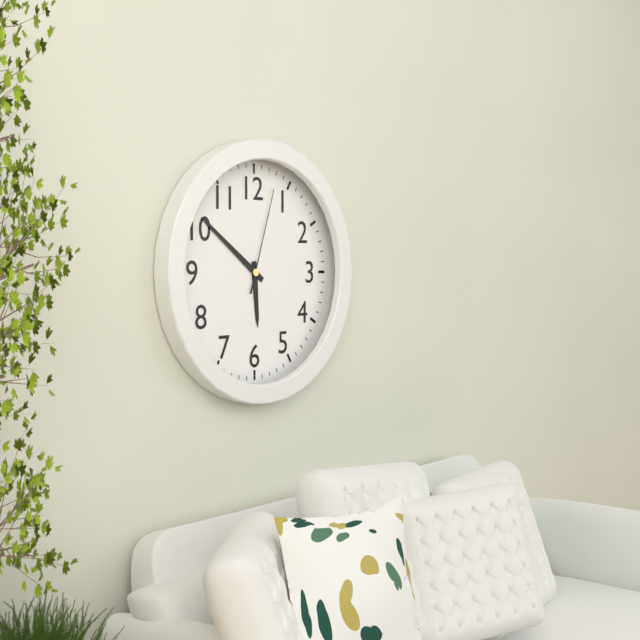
**5:51:03**
